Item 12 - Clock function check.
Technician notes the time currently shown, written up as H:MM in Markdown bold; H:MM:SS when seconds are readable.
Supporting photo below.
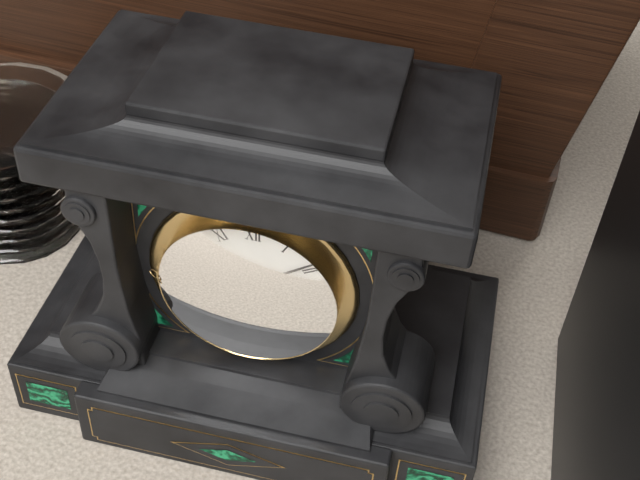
**3:09**
